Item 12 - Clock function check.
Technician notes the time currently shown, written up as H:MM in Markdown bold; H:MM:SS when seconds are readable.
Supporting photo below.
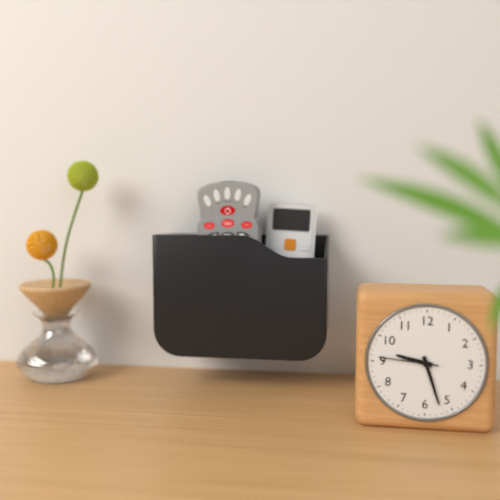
**9:27:46**
